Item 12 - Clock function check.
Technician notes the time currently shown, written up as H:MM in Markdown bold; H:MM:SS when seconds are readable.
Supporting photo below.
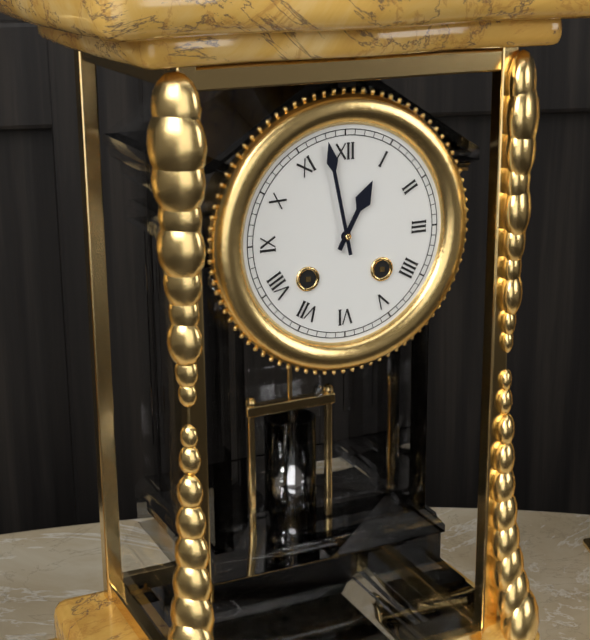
**12:58**
